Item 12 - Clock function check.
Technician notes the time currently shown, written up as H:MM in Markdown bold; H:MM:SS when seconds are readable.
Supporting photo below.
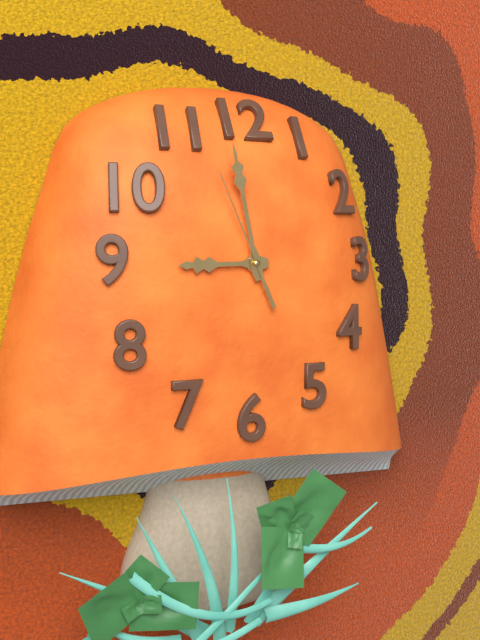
**8:58:56**
